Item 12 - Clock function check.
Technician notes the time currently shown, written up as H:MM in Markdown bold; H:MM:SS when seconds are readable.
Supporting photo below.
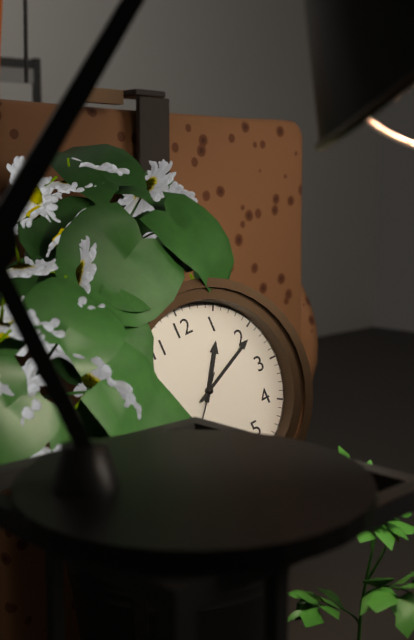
**1:11**
